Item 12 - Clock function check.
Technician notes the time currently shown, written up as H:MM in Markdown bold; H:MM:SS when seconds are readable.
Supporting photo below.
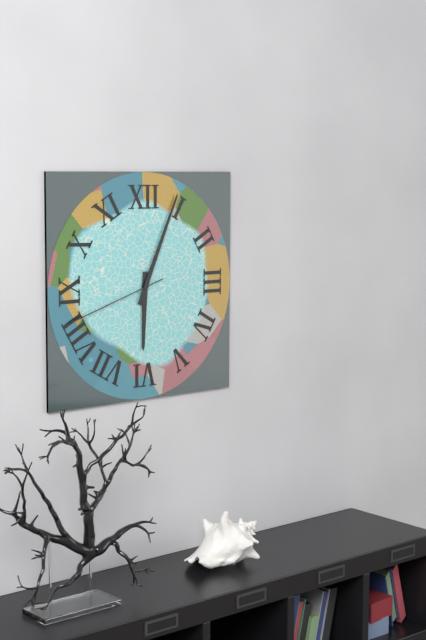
**6:04:42**
